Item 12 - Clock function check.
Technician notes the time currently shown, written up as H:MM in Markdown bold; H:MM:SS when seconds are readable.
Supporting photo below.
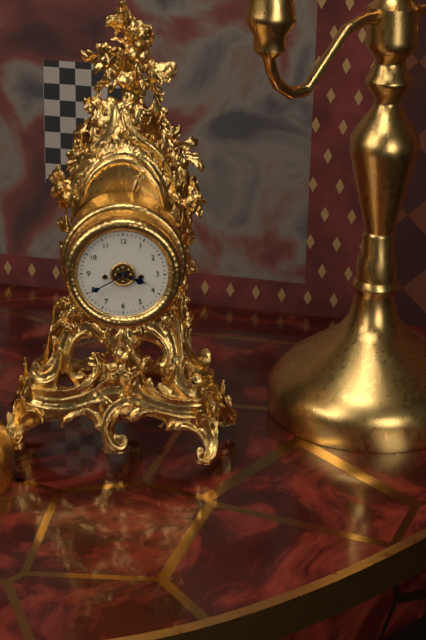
**3:40**
